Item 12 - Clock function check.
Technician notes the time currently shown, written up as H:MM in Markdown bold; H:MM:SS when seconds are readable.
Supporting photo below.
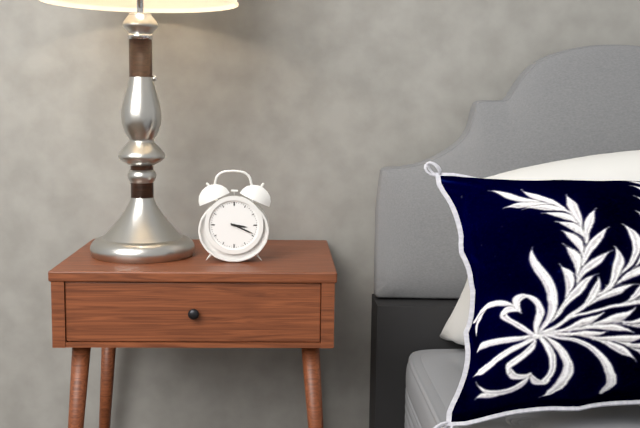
**3:19**
